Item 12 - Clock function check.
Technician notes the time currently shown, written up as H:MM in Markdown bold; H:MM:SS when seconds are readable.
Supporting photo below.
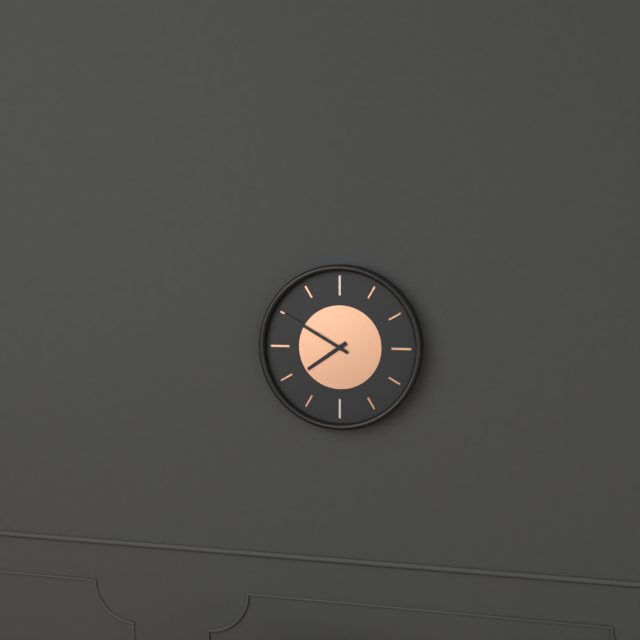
**7:50**
